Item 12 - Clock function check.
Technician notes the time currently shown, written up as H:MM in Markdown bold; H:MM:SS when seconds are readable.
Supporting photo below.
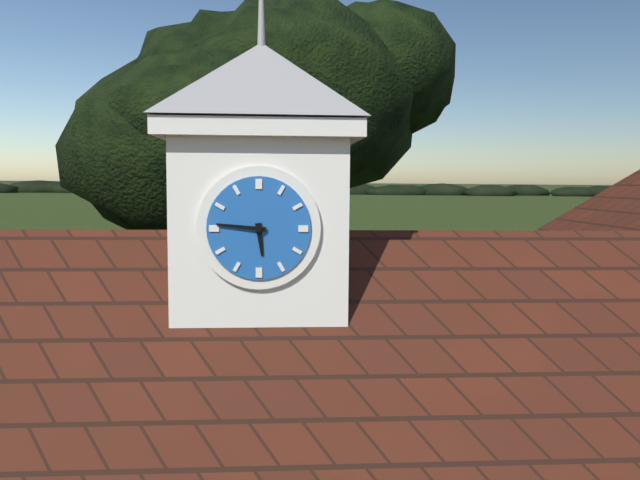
**5:46**
